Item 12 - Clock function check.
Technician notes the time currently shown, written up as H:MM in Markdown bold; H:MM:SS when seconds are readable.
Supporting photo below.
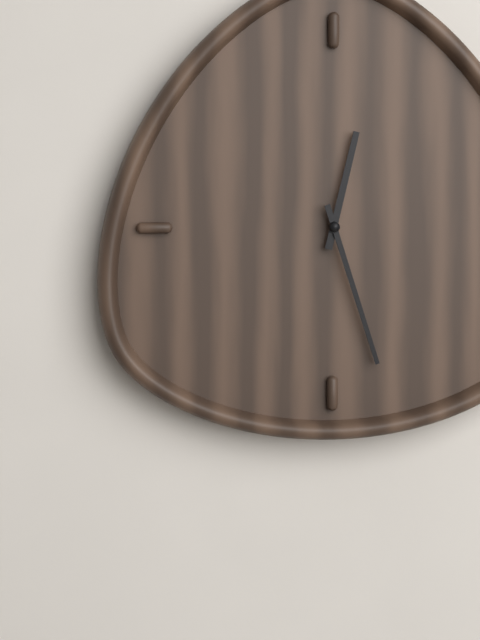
**12:27**
